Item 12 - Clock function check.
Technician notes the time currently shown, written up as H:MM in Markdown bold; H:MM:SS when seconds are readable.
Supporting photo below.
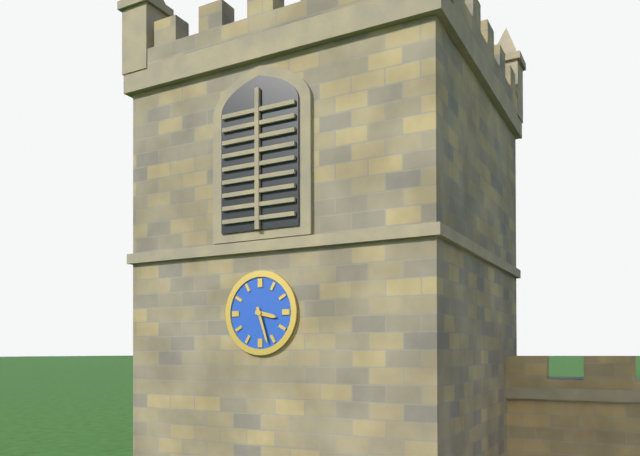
**3:27**
